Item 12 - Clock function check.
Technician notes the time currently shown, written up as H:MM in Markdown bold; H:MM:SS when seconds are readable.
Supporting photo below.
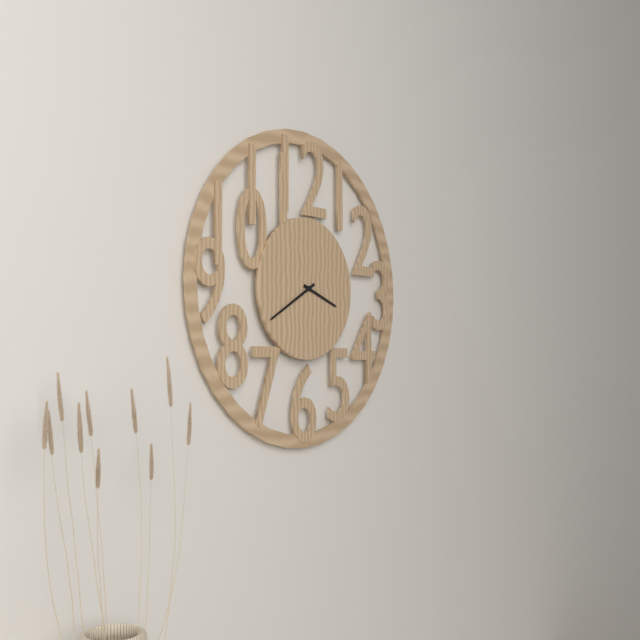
**3:40**
